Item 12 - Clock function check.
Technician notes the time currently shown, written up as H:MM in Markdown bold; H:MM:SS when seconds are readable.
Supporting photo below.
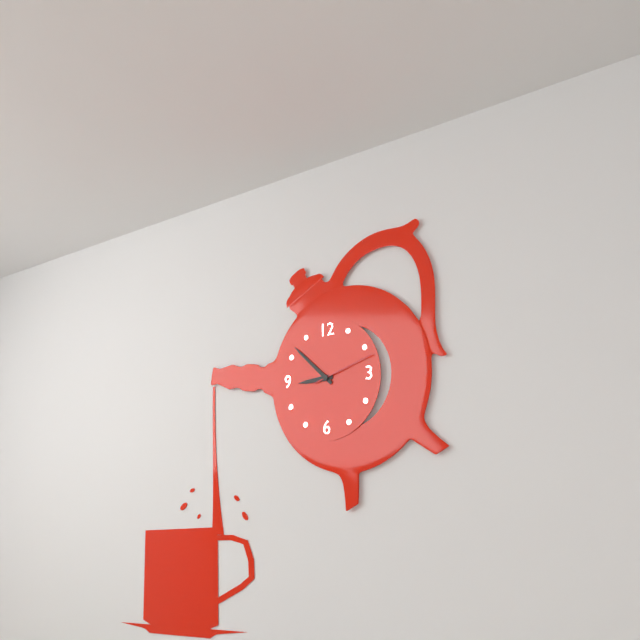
**8:52:12**
